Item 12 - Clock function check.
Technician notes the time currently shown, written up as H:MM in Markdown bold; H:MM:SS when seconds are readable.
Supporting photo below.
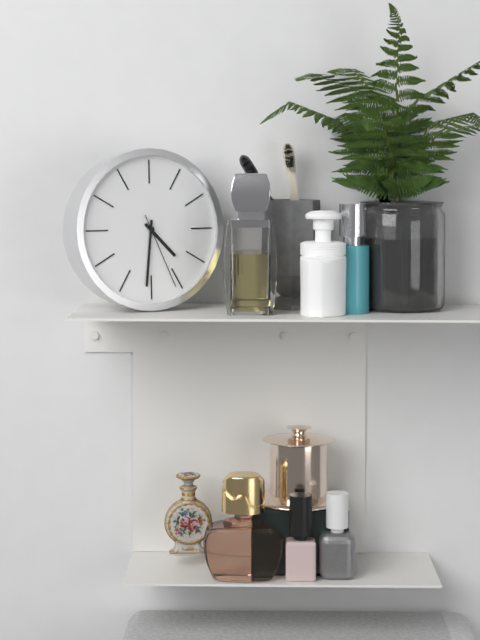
**4:31:26**
